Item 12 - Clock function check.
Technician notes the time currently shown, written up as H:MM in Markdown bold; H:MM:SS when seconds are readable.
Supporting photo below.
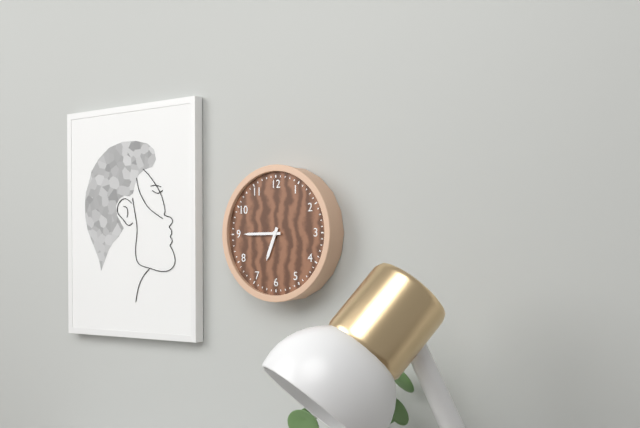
**6:45**
